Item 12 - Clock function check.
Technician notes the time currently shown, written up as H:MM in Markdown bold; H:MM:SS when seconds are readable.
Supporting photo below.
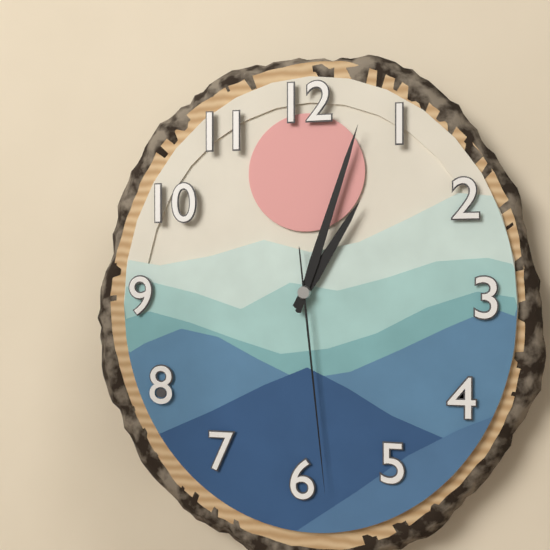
**1:03:29**
